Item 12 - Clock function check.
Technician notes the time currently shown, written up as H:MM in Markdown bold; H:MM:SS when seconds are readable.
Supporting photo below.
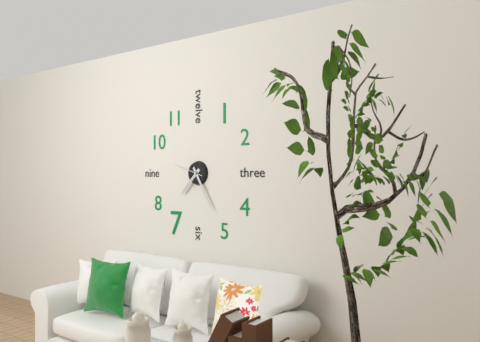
**7:25**
